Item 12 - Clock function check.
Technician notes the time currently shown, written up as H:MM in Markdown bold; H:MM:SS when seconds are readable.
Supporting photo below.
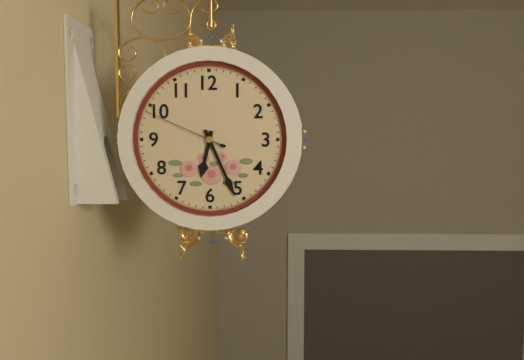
**6:26:49**
